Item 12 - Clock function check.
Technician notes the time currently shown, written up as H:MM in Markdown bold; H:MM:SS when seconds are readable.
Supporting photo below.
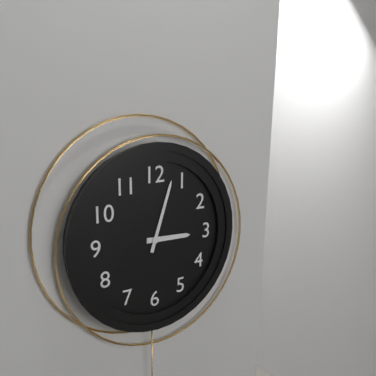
**3:03**
